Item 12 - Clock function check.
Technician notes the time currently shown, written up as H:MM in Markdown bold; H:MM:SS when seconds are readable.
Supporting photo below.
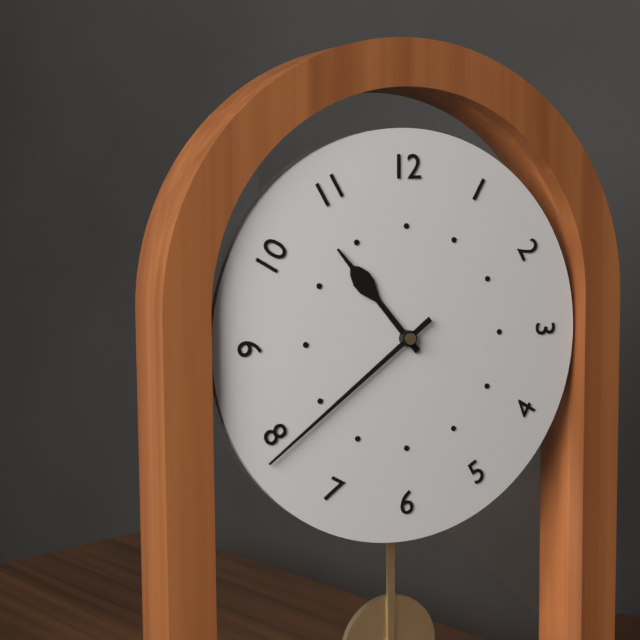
**10:39**
